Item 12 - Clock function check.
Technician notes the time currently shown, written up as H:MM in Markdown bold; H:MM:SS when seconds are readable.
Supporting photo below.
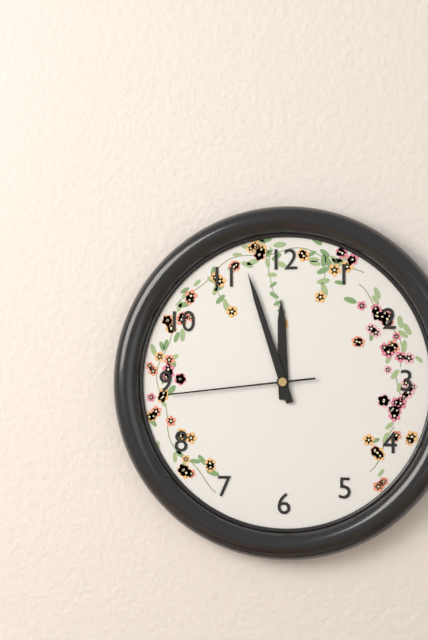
**11:57:44**
